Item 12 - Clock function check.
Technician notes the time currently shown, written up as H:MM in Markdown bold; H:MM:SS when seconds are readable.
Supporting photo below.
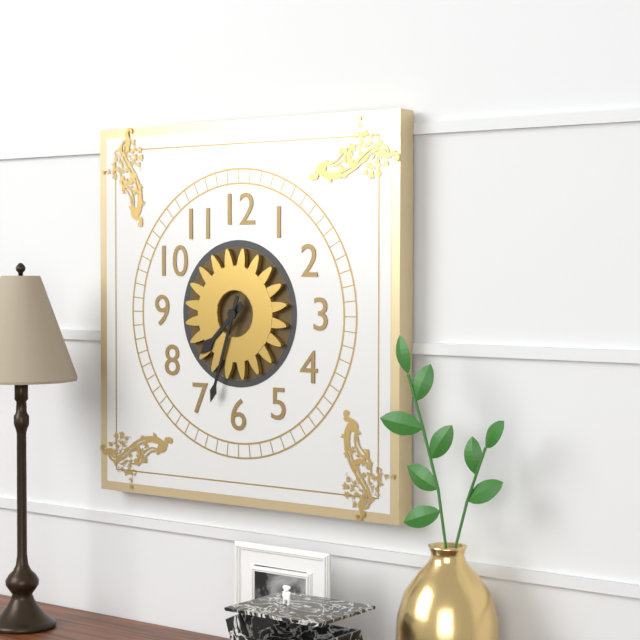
**7:33**
